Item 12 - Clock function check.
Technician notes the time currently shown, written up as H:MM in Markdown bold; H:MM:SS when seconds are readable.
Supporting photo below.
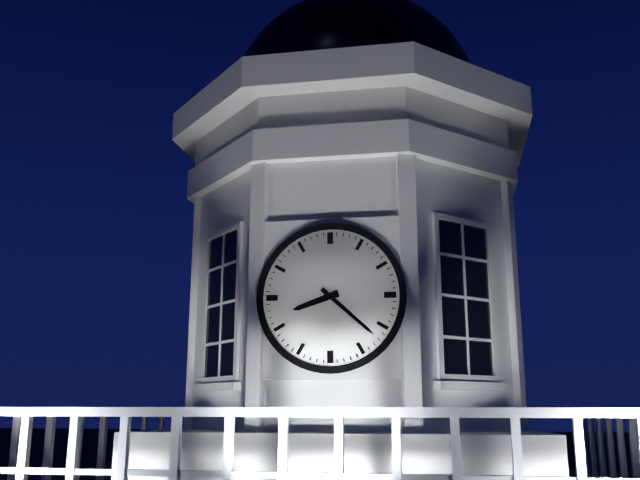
**8:22**
